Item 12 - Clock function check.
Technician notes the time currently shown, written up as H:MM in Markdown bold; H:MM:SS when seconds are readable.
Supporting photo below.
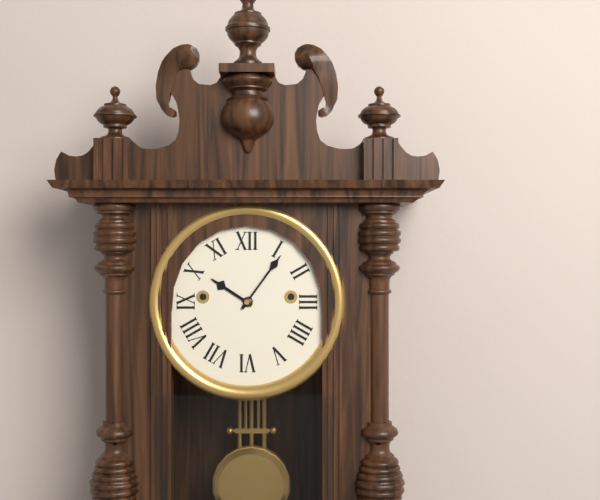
**10:06**
